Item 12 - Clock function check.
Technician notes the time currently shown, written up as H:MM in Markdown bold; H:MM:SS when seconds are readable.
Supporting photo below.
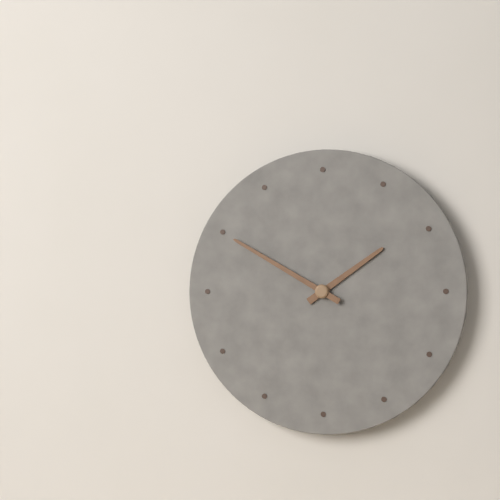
**1:50**
